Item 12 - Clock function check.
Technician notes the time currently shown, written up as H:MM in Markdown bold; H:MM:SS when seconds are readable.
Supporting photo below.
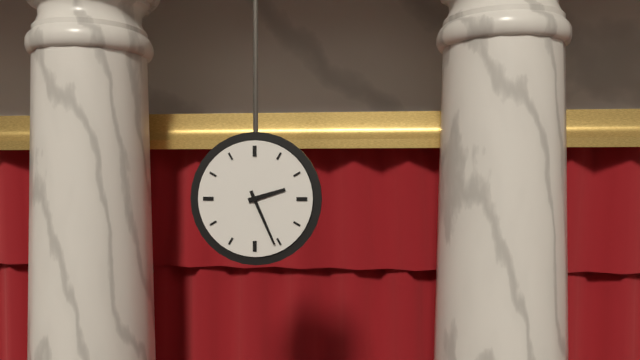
**2:26**
